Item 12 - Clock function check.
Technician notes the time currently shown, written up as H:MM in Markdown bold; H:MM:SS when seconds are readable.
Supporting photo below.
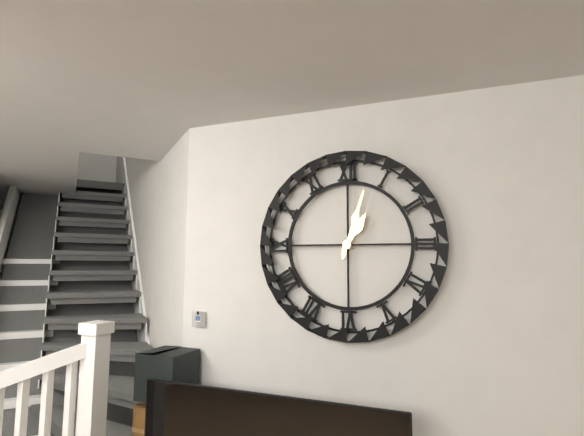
**1:03**
